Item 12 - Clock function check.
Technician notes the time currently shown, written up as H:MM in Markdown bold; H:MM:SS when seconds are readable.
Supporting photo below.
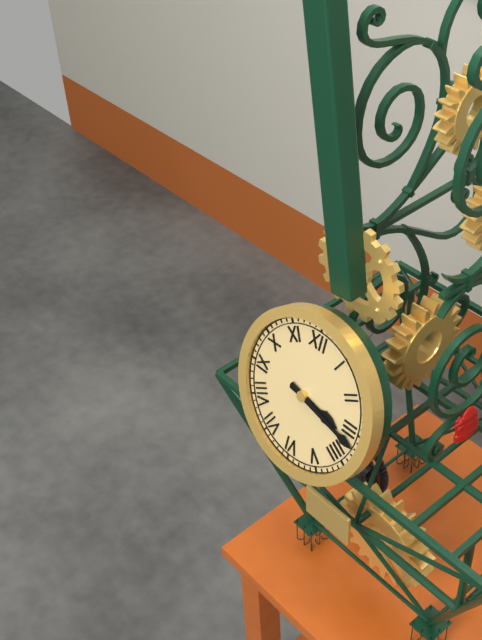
**3:17**
